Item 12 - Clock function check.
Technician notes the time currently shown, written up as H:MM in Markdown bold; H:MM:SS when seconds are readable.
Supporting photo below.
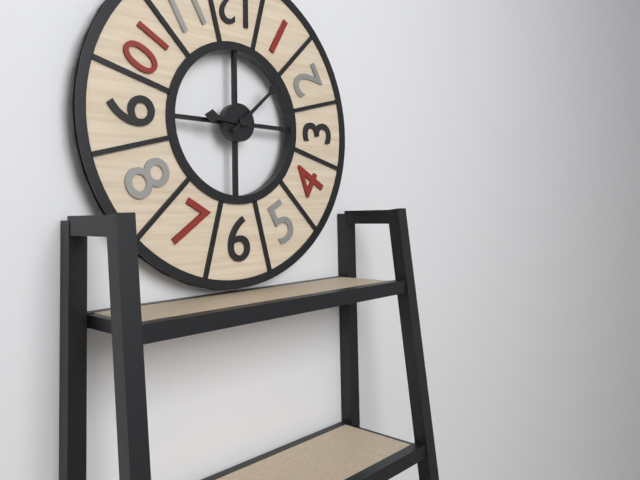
**9:08**
